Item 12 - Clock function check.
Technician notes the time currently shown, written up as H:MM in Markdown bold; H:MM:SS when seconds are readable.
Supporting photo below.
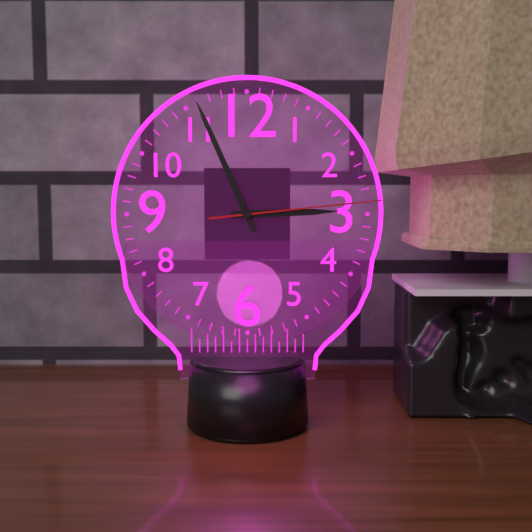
**2:56:14**
